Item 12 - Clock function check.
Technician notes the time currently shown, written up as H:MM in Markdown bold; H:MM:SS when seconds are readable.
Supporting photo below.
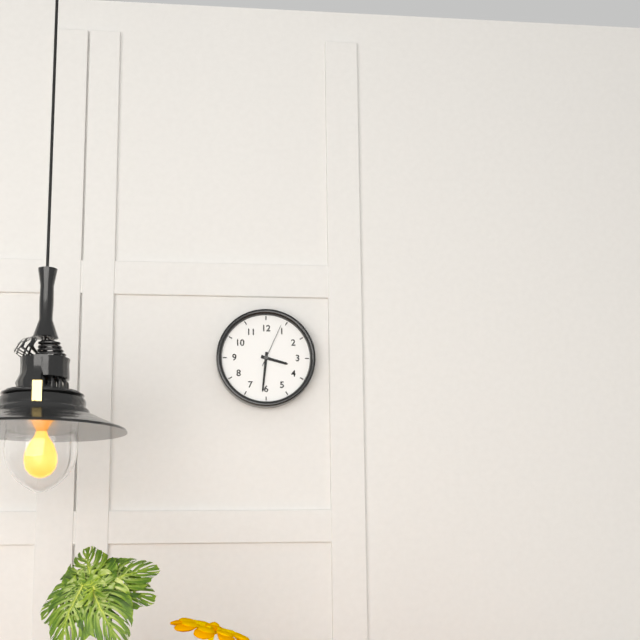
**3:31**
